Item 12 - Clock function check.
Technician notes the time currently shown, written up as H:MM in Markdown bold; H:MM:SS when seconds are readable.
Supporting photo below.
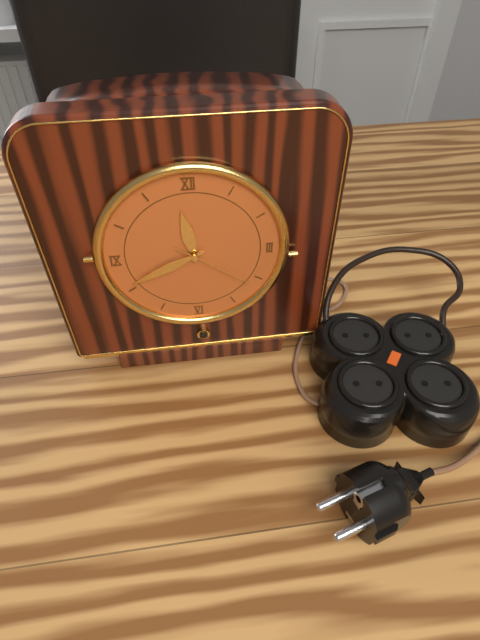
**11:41:21**
